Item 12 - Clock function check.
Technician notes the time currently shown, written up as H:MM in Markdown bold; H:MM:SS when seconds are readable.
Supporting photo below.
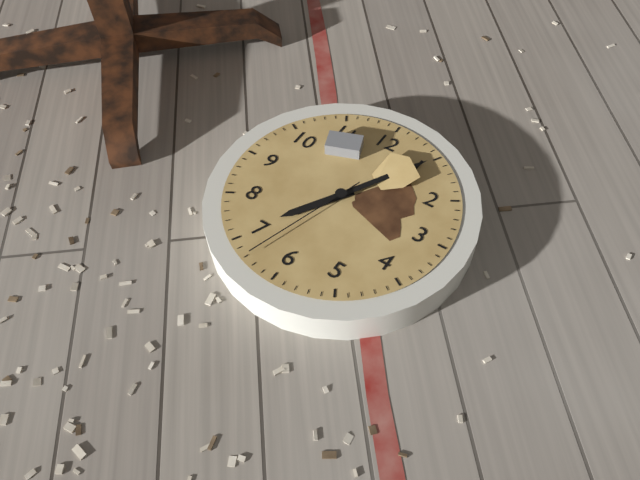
**7:05:33**
